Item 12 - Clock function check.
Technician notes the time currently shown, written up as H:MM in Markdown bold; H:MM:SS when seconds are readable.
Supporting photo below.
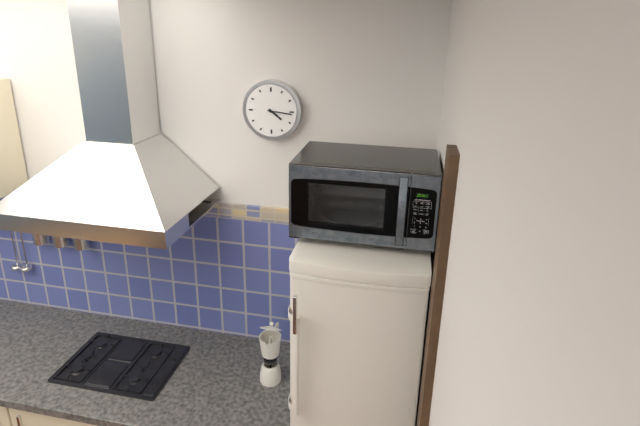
**4:16**
